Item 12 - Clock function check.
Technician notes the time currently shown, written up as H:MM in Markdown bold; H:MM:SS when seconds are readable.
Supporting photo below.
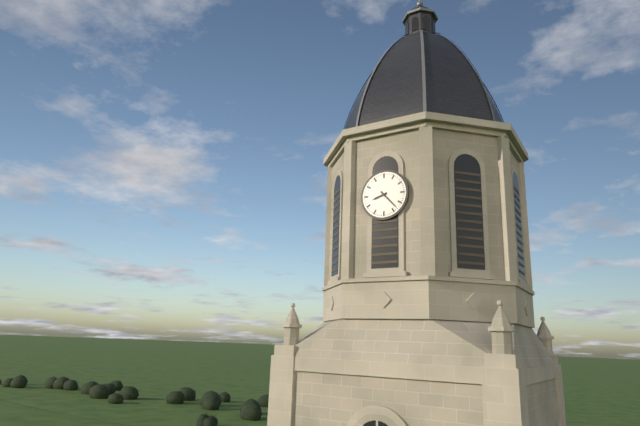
**8:23**
